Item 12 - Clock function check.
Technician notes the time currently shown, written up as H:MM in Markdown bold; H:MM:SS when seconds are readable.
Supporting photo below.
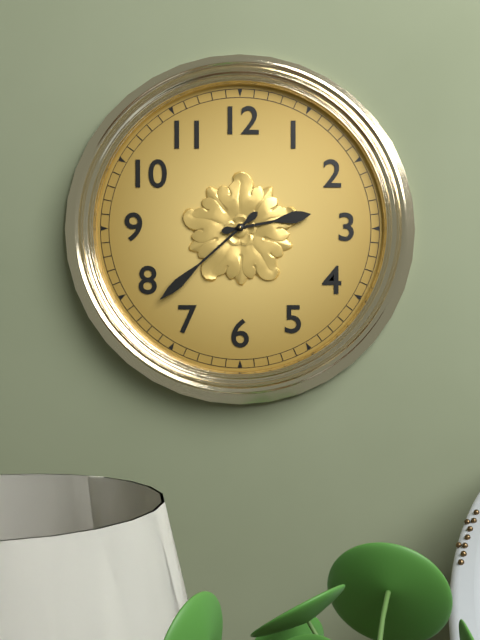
**2:38**
